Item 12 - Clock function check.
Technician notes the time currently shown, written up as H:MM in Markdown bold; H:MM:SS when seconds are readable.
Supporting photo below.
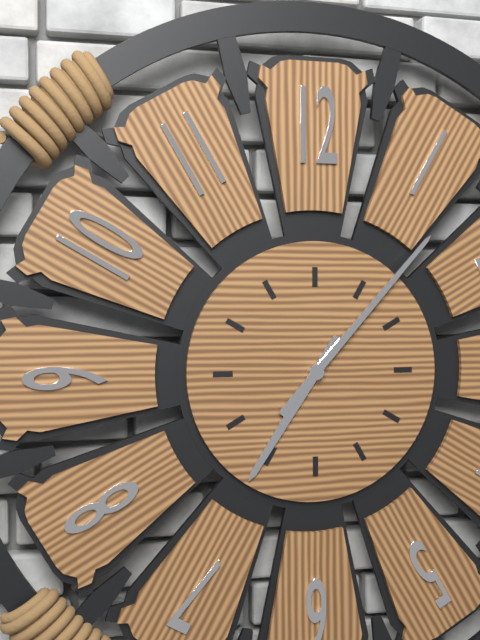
**7:07**
